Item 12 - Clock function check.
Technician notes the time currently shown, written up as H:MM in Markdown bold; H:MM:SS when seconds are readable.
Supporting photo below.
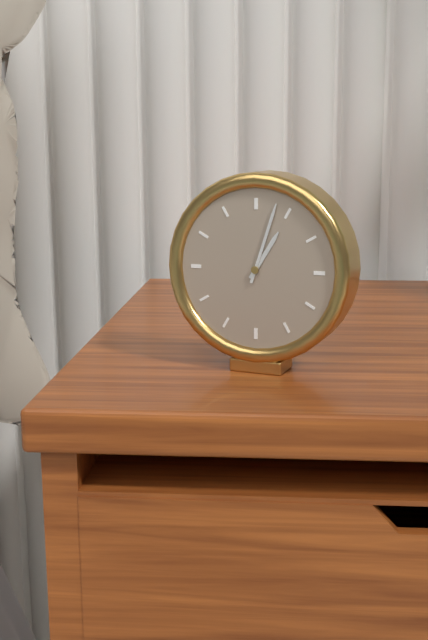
**1:03**
